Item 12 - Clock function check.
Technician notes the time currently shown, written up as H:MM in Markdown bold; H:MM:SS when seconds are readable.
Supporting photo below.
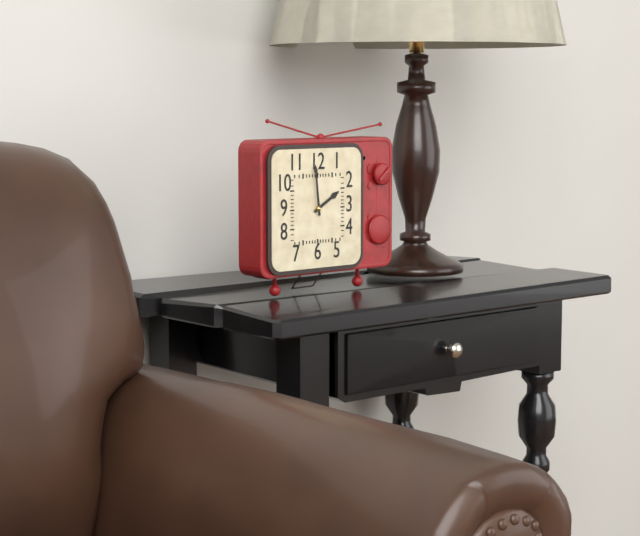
**1:59**
